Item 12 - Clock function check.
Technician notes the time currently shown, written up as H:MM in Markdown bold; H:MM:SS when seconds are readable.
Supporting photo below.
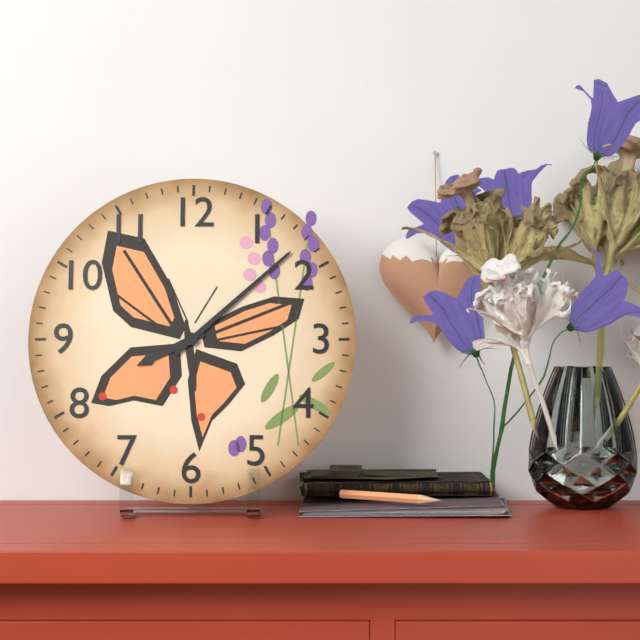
**8:08**
